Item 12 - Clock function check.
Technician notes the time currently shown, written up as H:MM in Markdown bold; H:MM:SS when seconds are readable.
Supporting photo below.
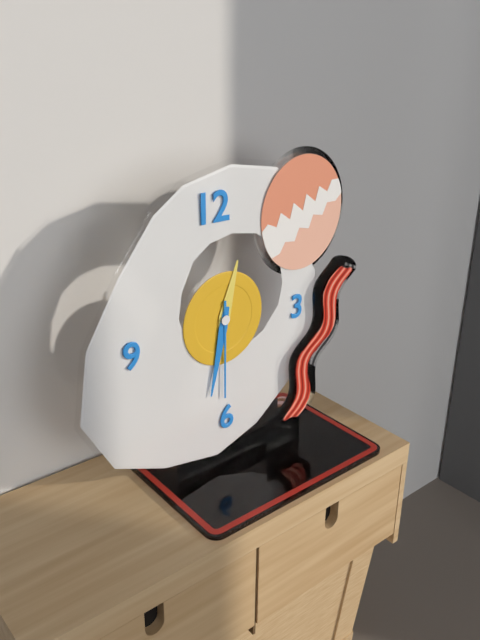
**12:32:30**
